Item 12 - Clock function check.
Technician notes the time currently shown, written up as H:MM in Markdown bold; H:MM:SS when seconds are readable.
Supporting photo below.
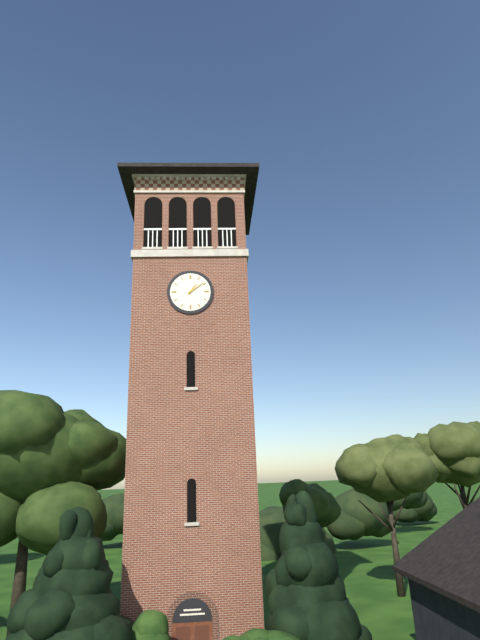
**1:09**
